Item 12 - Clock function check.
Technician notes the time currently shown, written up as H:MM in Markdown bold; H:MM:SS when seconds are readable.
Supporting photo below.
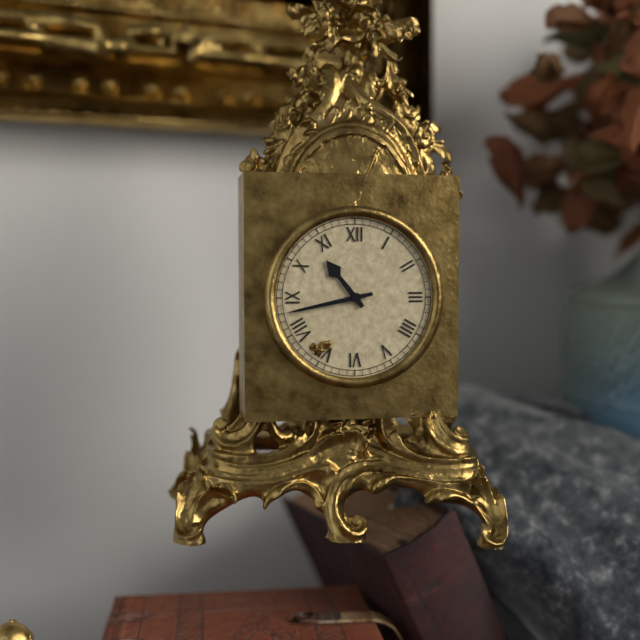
**10:43**
